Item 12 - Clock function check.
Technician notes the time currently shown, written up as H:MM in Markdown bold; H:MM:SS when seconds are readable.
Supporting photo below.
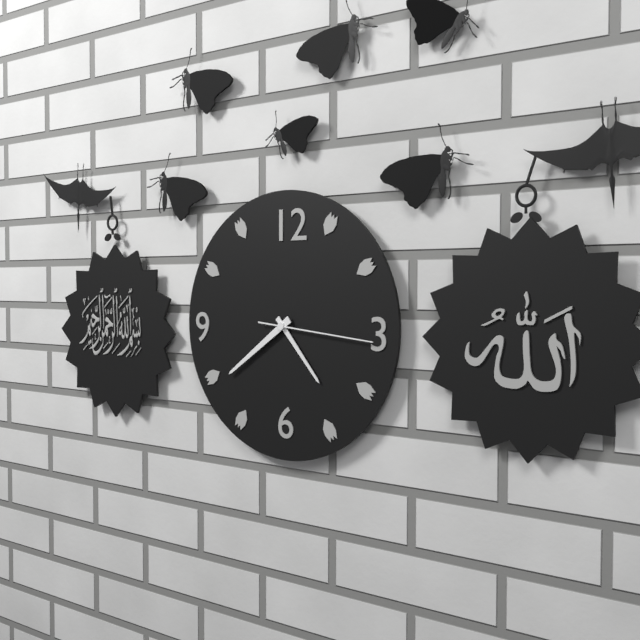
**4:39:16**
